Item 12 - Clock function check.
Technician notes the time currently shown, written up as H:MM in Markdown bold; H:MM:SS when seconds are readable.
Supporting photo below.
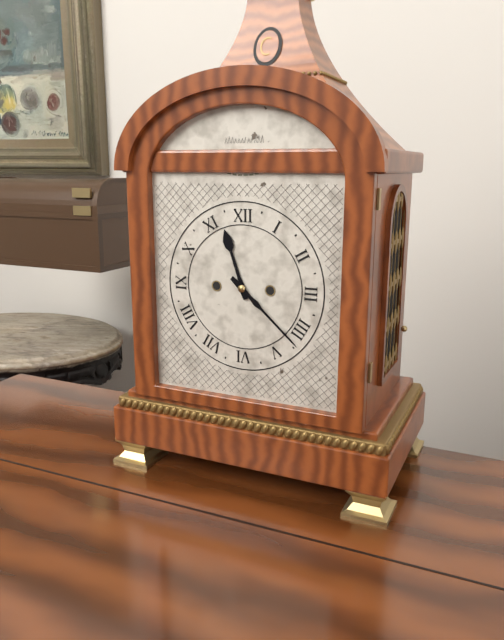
**11:22**
